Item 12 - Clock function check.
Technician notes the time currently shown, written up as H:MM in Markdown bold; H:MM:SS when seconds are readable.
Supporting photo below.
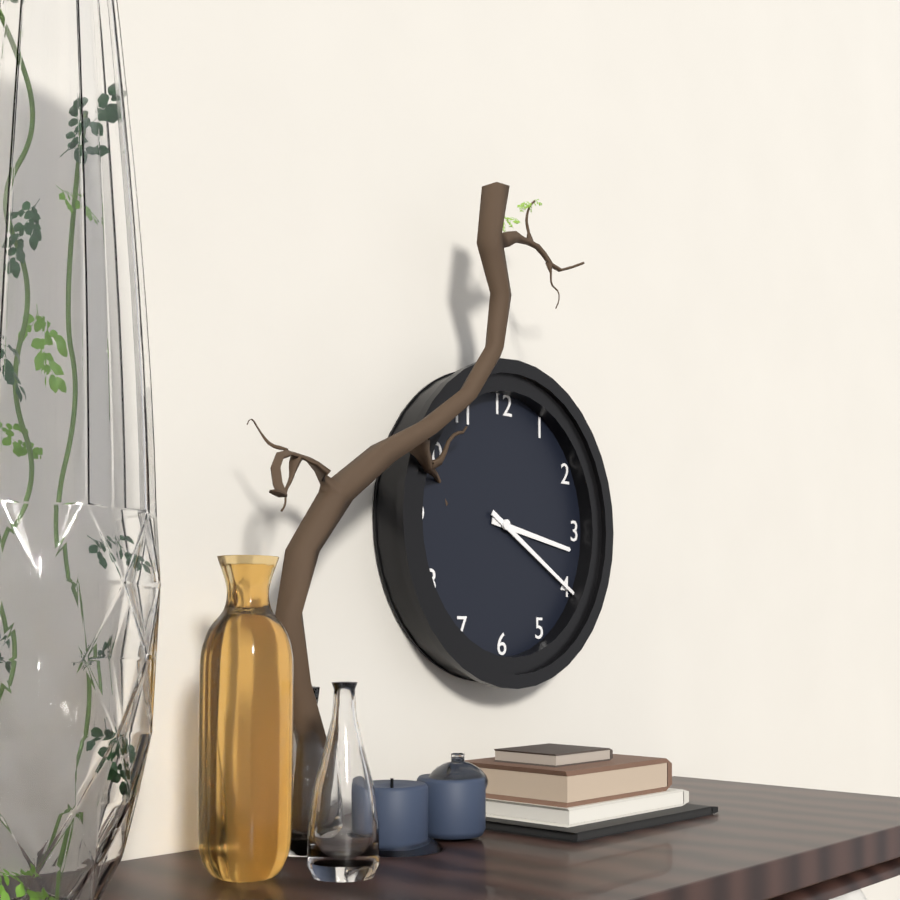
**3:20**
